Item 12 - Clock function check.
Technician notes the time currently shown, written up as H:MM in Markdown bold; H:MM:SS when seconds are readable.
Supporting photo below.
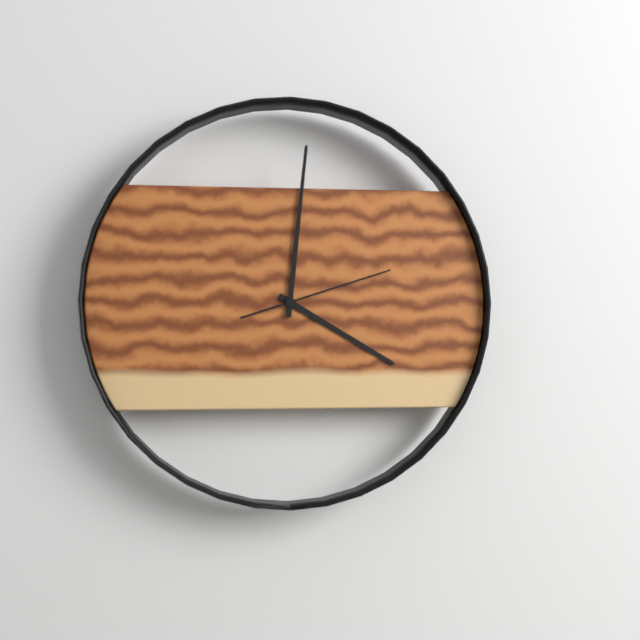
**4:01:12**
